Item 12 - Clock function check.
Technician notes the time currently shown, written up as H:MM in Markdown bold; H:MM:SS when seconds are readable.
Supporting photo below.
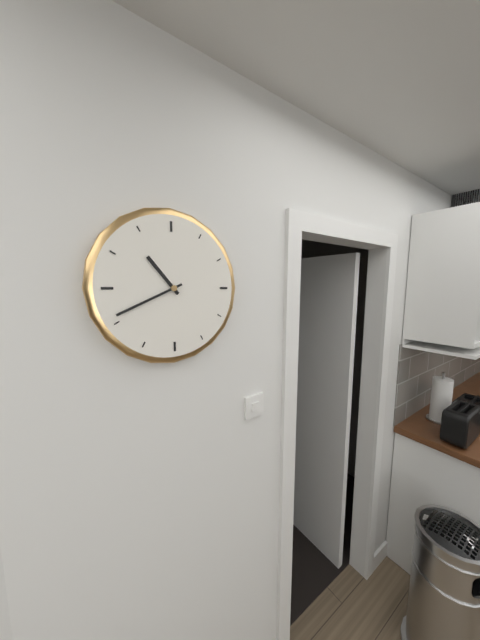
**10:41**
